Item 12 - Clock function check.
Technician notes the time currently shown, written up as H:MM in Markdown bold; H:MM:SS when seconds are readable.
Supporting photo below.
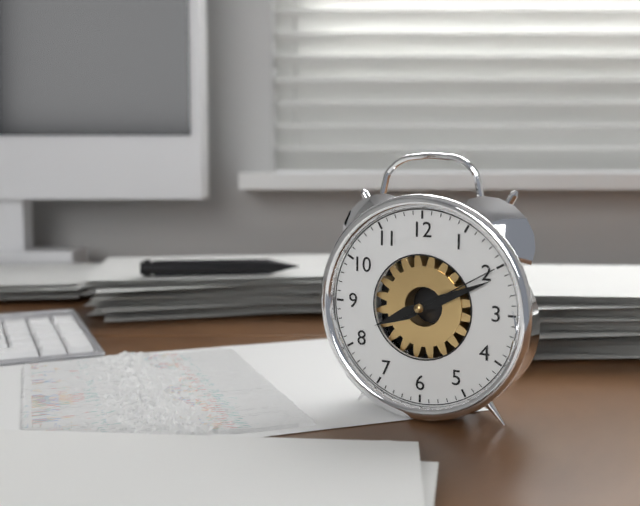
**8:11:10**
